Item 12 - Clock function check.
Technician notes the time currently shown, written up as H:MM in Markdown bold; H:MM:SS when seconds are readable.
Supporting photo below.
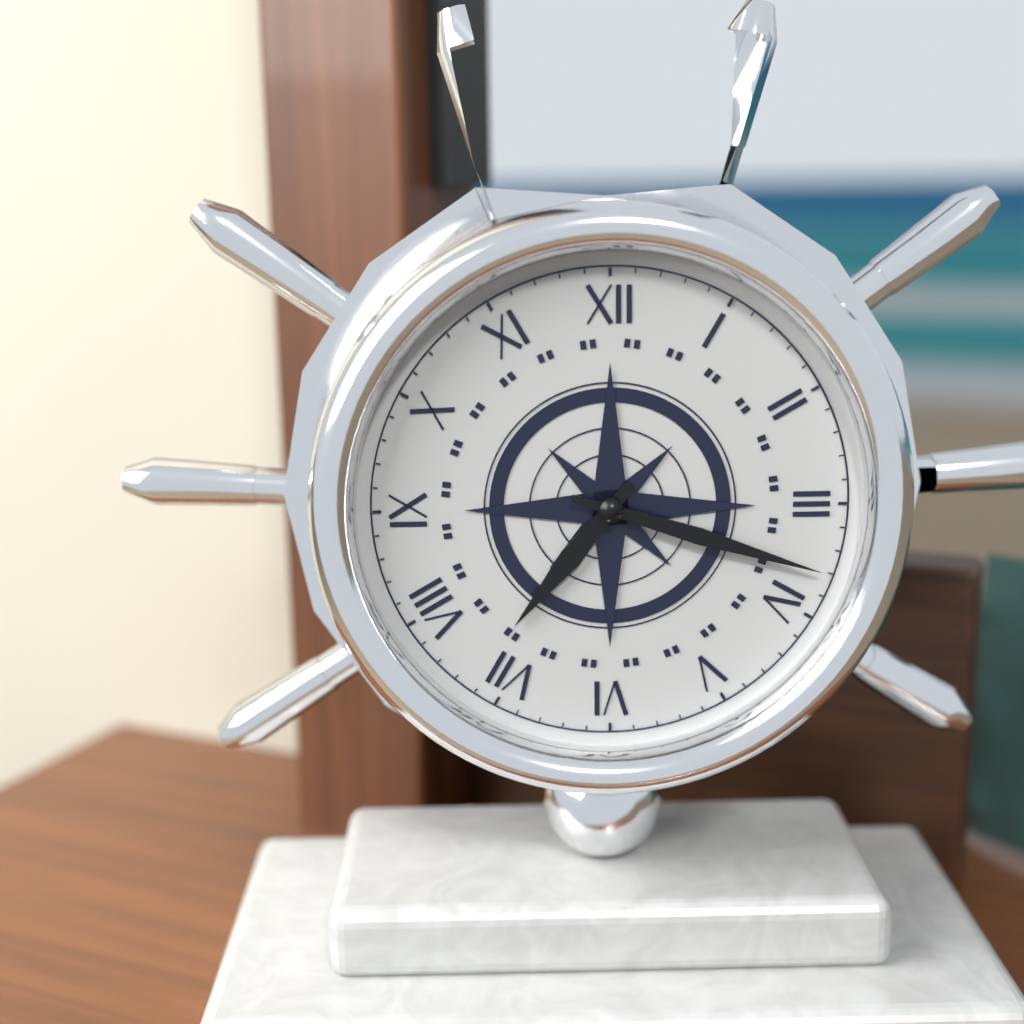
**7:18**
